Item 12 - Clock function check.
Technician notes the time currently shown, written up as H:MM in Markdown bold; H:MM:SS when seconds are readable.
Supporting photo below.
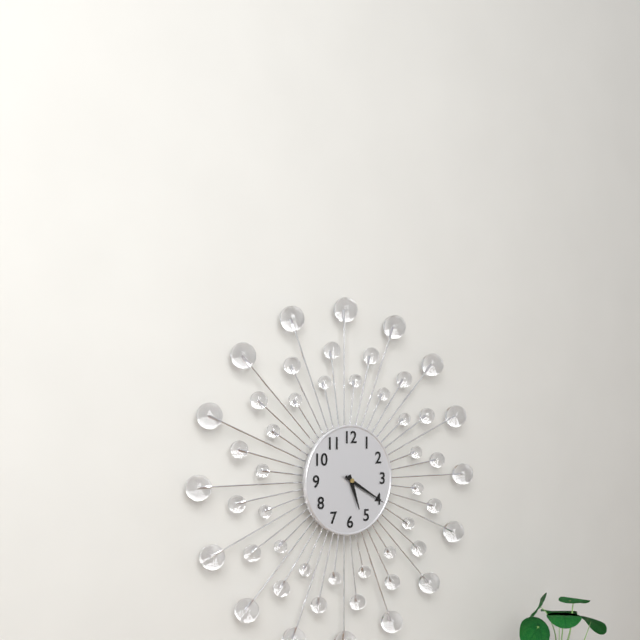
**5:20**
